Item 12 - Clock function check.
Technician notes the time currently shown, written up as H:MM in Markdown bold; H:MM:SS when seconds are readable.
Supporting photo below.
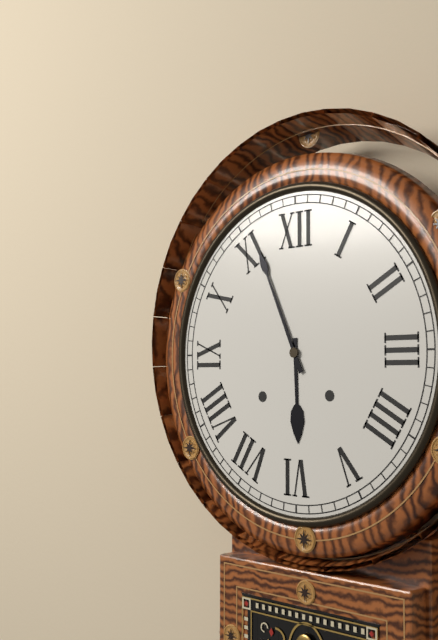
**5:56**
